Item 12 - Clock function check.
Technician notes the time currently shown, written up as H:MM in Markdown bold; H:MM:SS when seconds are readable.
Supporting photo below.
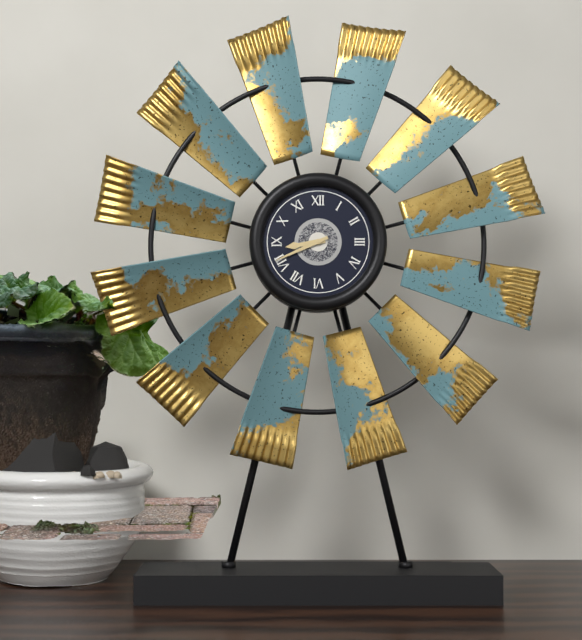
**8:41**
